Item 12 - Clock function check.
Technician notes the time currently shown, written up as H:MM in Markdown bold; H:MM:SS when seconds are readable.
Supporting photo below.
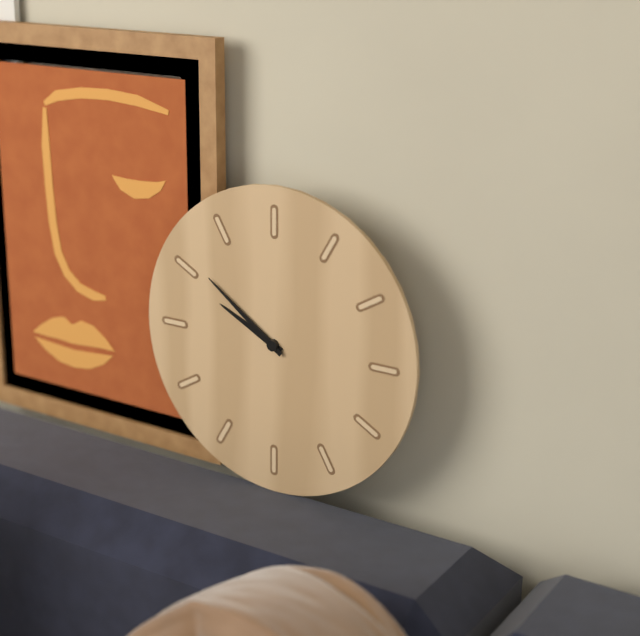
**9:51**
